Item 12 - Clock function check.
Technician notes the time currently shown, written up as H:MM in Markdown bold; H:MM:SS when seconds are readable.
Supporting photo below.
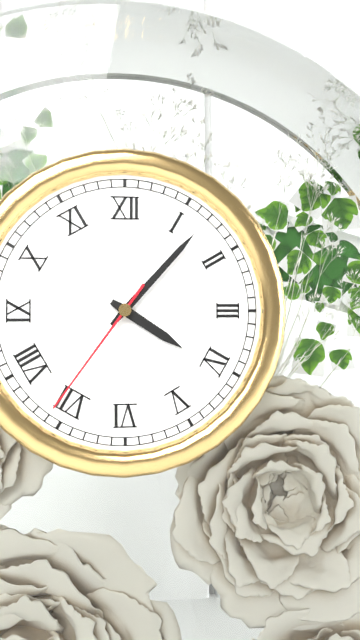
**4:07:36**
